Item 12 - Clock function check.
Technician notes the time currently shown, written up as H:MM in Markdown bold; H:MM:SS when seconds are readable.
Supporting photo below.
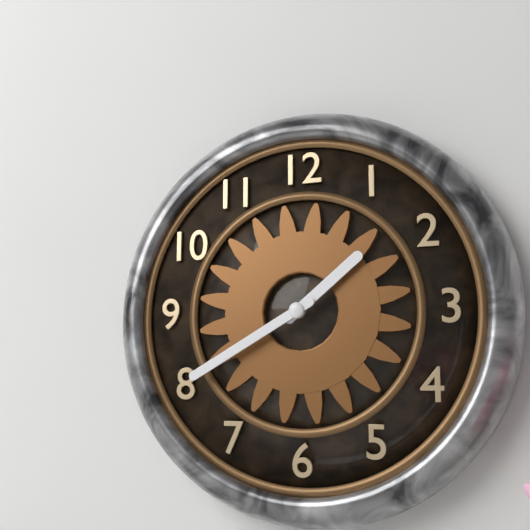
**1:40**
